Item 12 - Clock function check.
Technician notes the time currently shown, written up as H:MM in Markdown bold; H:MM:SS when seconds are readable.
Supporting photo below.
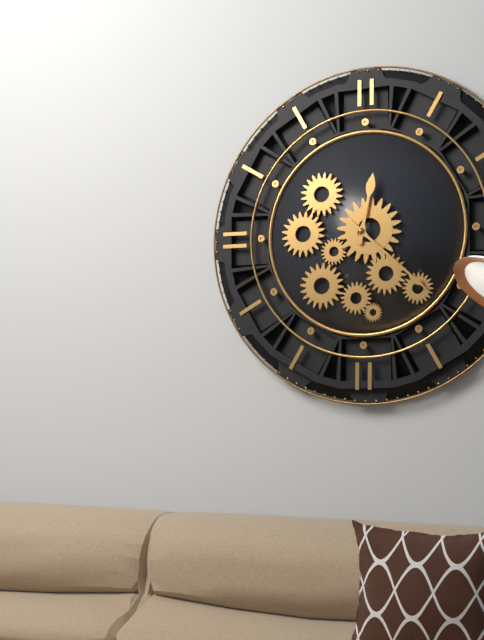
**12:22**
